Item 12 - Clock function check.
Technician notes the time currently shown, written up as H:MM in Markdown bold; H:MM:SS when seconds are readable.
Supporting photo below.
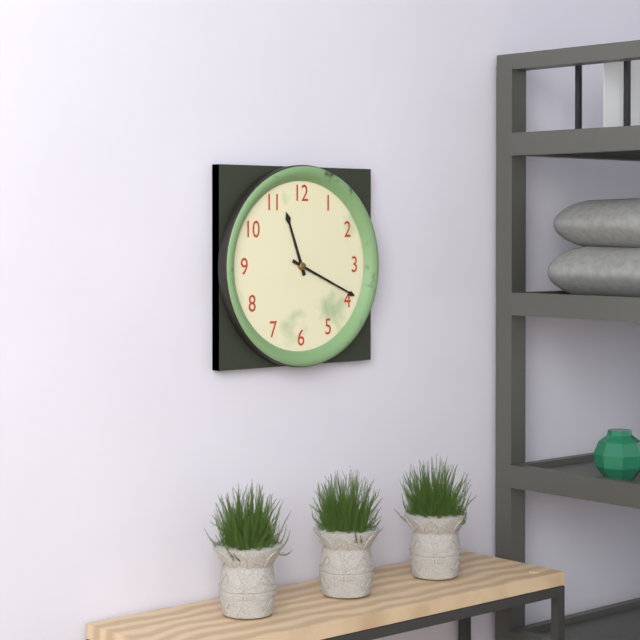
**11:19**
